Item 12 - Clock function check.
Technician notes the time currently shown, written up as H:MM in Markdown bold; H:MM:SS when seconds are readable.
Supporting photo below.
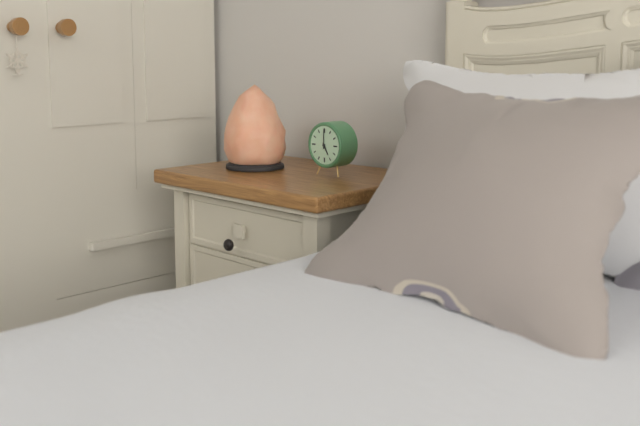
**5:00**
